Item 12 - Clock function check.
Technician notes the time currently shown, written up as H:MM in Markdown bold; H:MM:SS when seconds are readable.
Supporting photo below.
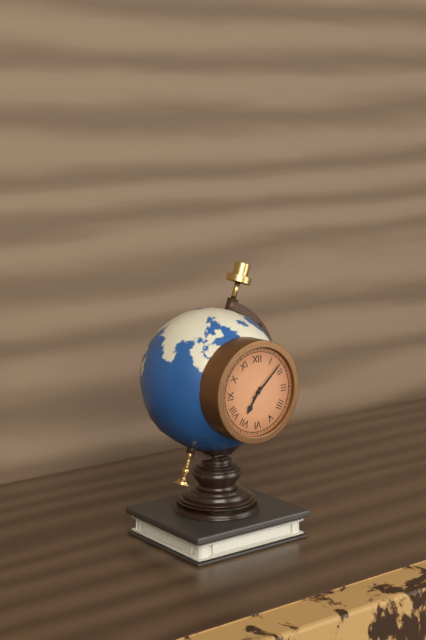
**7:08**
